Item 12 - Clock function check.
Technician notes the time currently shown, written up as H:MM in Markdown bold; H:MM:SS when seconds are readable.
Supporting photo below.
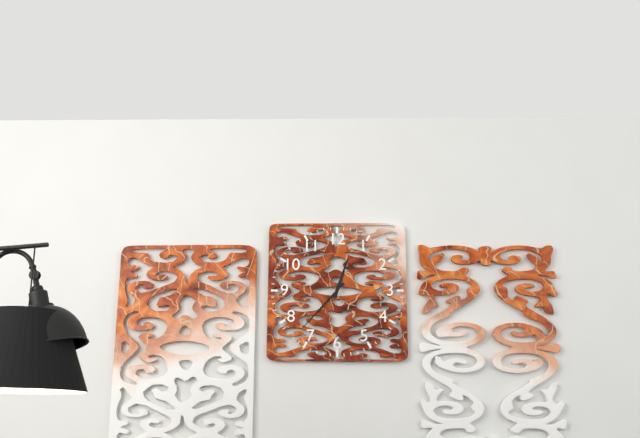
**12:37**
